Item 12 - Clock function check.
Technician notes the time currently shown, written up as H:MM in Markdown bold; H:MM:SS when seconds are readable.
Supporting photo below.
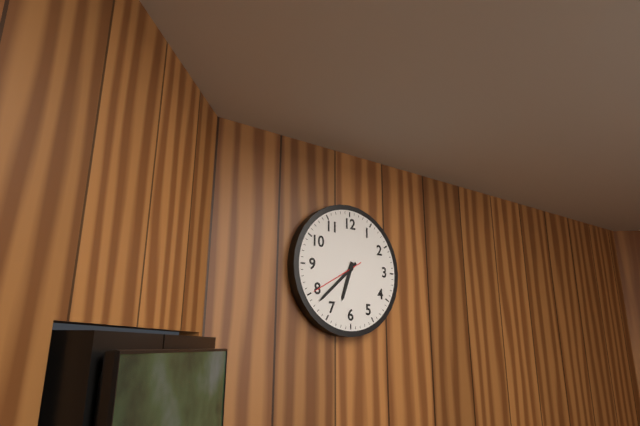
**6:38**
